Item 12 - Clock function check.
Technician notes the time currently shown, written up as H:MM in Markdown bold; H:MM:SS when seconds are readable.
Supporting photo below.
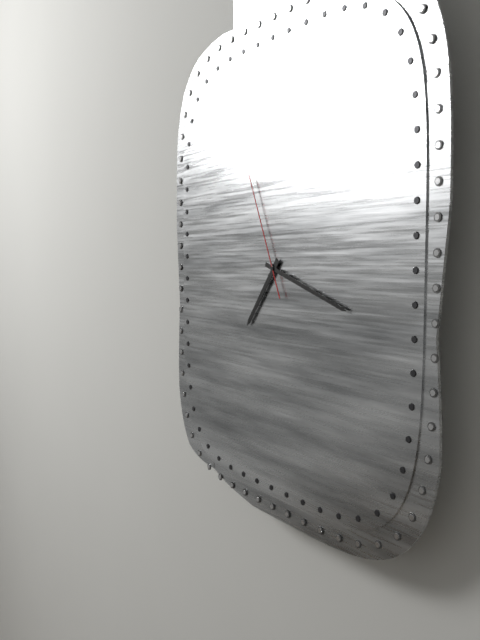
**7:18:56**
